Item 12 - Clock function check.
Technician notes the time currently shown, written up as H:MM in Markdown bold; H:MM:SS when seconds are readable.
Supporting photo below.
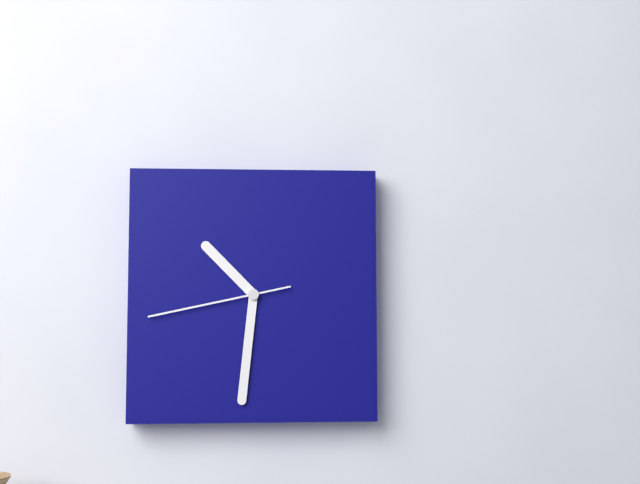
**10:31:43**
